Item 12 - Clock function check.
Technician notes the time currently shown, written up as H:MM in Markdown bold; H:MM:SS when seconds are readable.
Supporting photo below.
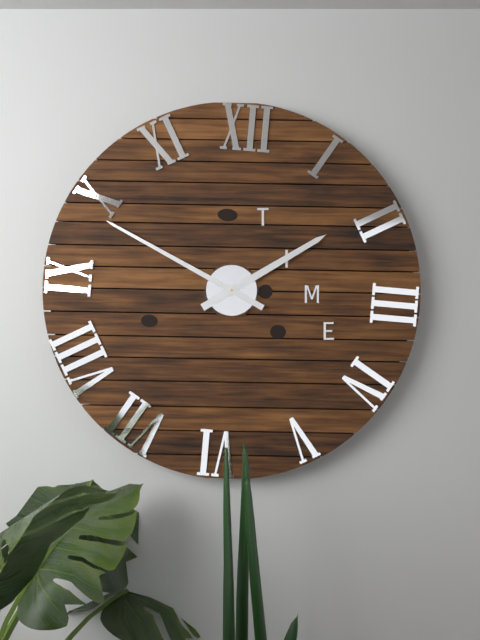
**1:49**
